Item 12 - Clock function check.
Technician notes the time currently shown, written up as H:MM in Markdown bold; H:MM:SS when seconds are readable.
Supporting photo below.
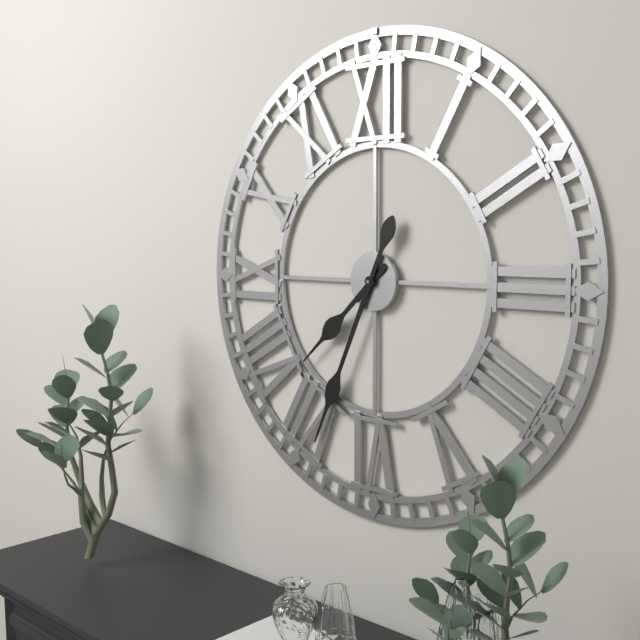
**7:34**
